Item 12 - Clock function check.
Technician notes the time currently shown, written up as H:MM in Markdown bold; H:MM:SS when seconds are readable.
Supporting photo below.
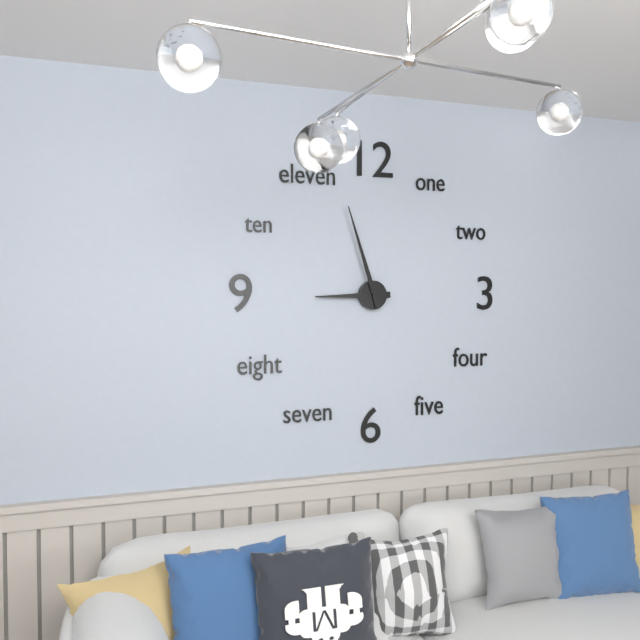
**8:57**
